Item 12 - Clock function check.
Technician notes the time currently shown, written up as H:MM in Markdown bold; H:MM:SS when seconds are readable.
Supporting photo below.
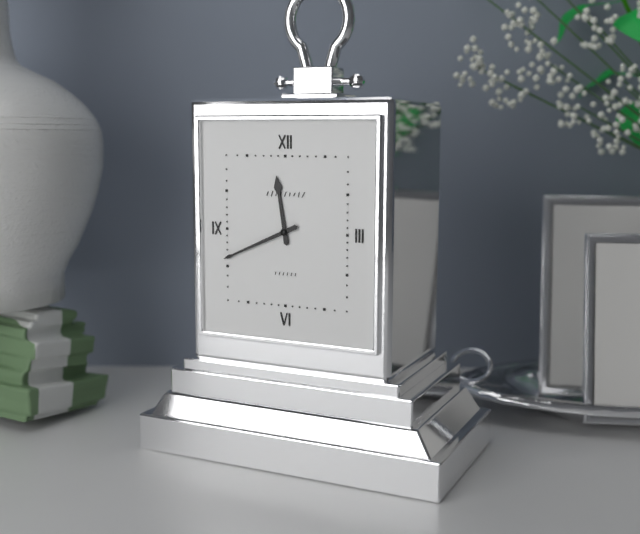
**11:41**
